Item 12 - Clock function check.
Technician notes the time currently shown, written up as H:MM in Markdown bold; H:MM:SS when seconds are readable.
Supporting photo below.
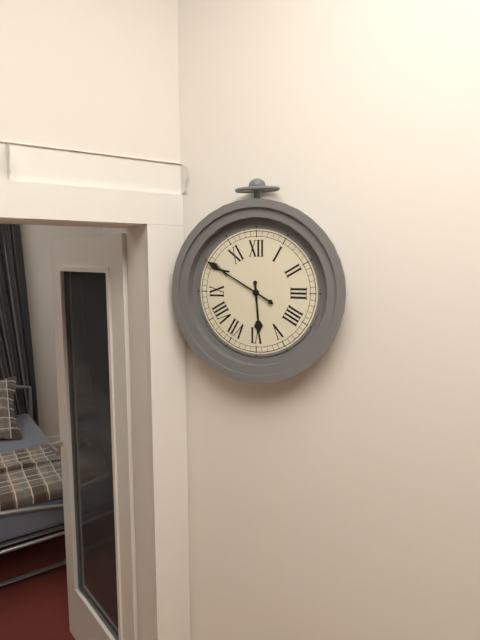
**5:50**
